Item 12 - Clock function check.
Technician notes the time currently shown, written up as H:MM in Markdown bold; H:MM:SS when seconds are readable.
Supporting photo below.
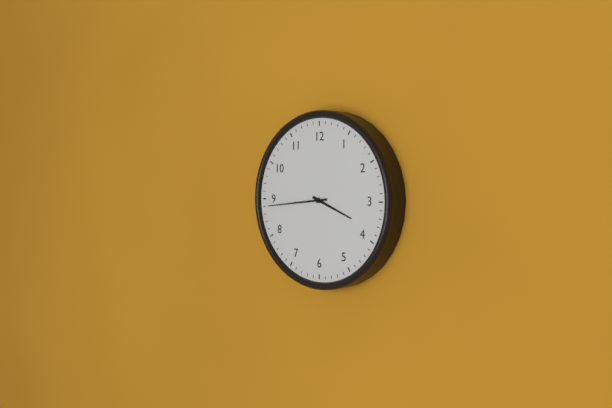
**3:44**
